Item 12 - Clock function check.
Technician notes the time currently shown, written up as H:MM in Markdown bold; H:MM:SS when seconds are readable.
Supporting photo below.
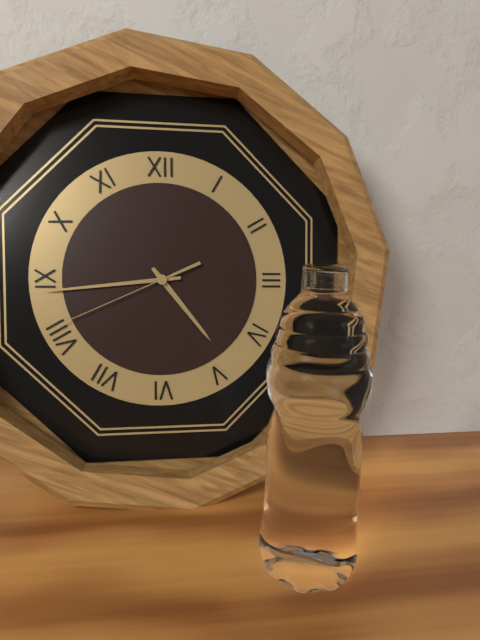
**4:44:41**
